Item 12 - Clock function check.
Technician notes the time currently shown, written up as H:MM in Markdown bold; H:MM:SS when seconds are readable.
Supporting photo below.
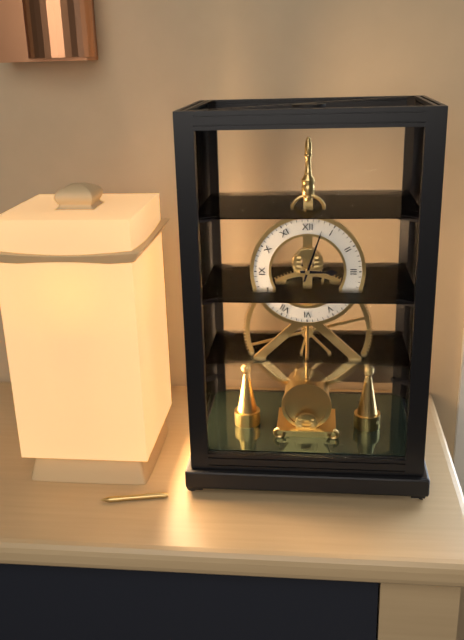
**3:03**
